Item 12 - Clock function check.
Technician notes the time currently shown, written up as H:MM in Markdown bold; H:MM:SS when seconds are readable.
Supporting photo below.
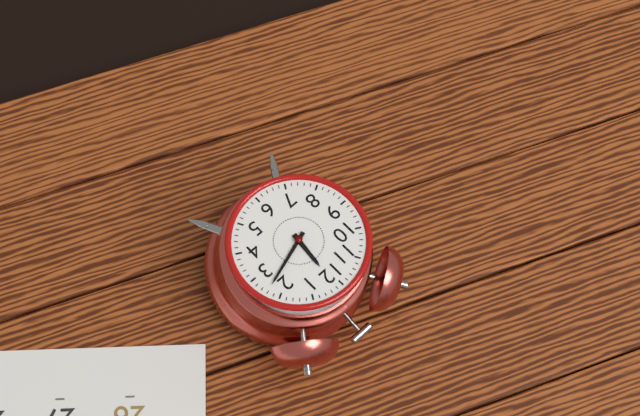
**12:12**
